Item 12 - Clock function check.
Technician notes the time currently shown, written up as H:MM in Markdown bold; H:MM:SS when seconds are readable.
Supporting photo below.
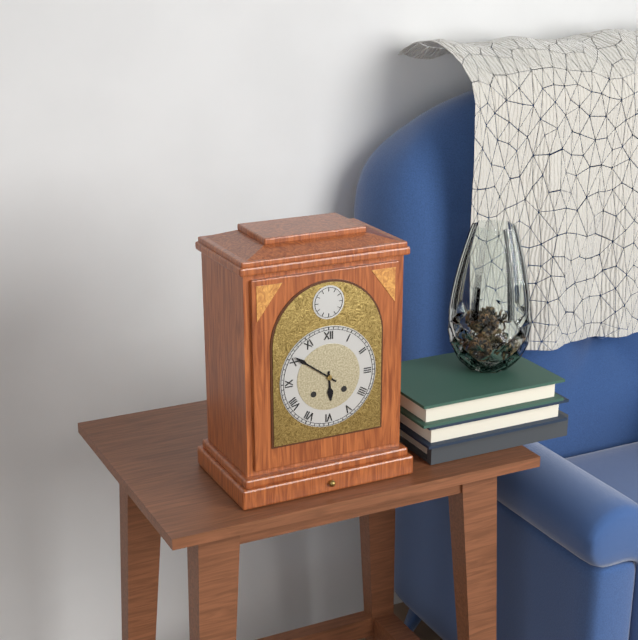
**5:51**
